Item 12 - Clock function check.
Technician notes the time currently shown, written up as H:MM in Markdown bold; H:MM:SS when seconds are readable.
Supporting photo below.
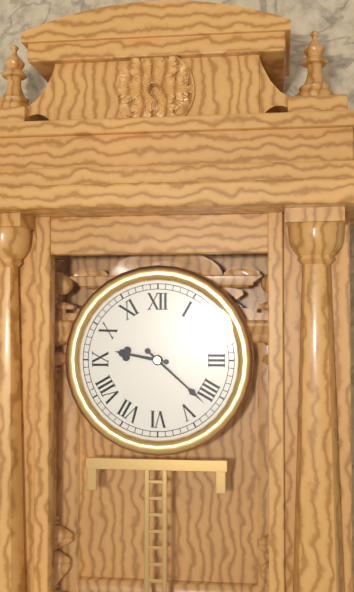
**9:22**
